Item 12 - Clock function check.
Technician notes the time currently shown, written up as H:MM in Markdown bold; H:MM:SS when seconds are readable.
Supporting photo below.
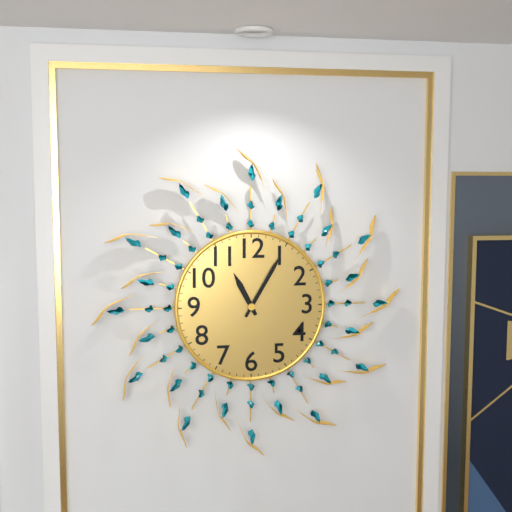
**11:05**
